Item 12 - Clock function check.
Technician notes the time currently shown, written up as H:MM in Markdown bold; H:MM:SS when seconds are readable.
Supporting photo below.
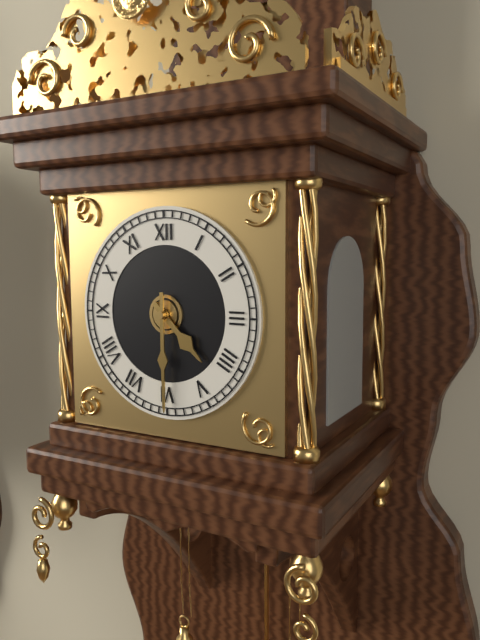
**4:30**
